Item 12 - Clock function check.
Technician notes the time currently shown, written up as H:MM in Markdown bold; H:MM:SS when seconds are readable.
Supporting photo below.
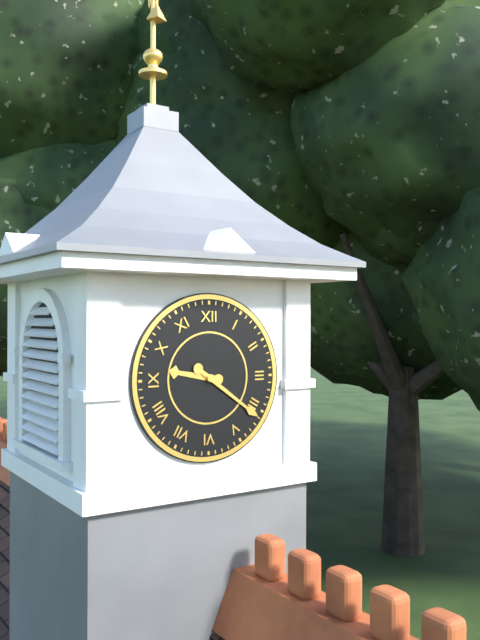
**9:21**
